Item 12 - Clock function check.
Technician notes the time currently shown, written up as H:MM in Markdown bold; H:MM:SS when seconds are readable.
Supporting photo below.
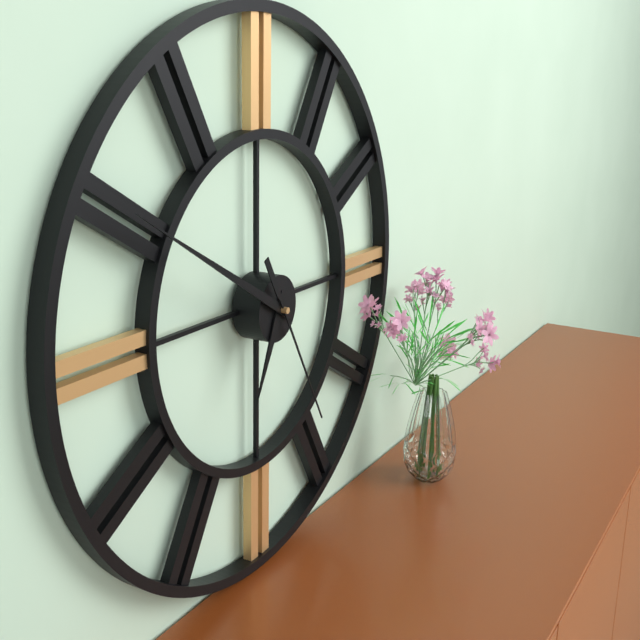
**6:50:25**
